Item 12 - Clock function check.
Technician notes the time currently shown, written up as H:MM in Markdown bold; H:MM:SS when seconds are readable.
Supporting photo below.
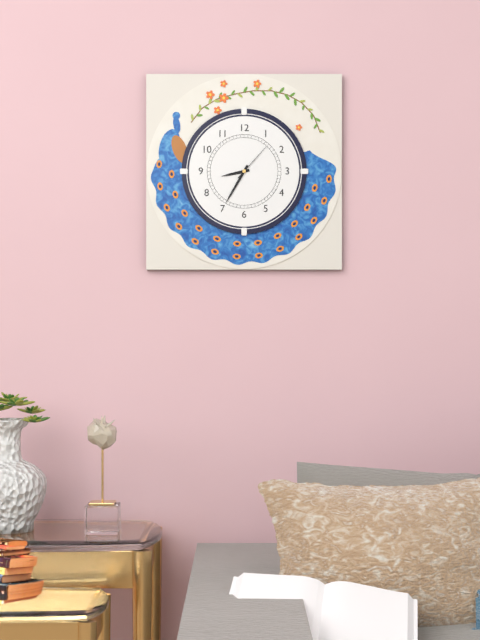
**8:35**
